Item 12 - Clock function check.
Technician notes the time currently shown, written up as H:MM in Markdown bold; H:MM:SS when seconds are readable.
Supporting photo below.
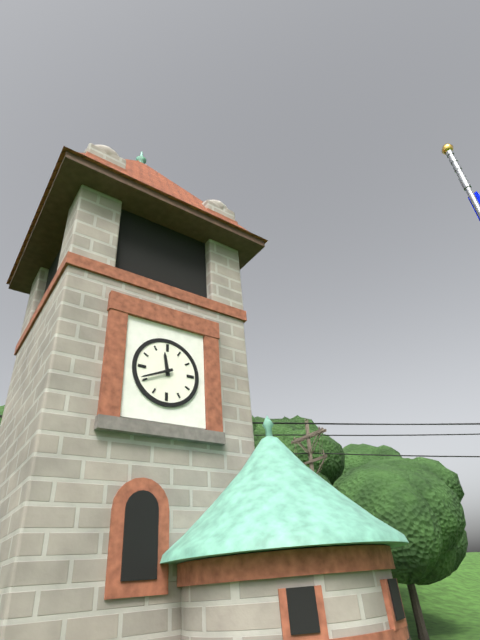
**11:41**
